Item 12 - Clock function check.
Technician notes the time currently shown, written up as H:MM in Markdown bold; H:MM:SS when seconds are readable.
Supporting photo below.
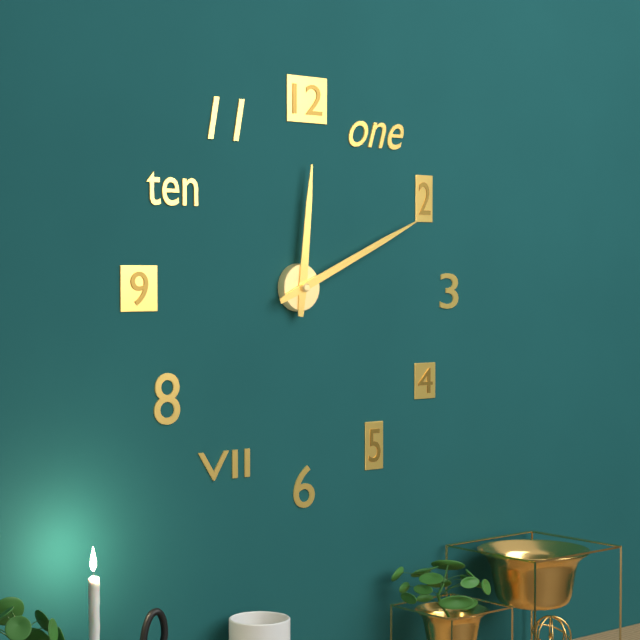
**12:11**
